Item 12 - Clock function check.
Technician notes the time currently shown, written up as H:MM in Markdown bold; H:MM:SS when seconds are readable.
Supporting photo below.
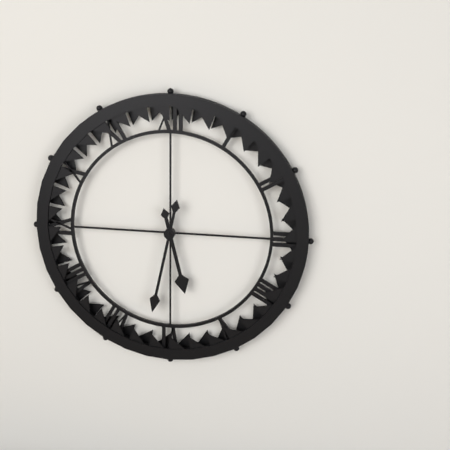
**5:32**
